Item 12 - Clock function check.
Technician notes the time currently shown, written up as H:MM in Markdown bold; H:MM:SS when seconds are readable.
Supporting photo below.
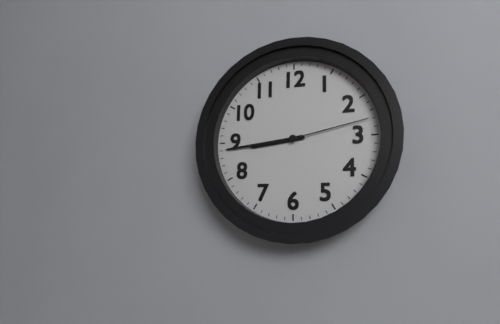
**8:44:13**
